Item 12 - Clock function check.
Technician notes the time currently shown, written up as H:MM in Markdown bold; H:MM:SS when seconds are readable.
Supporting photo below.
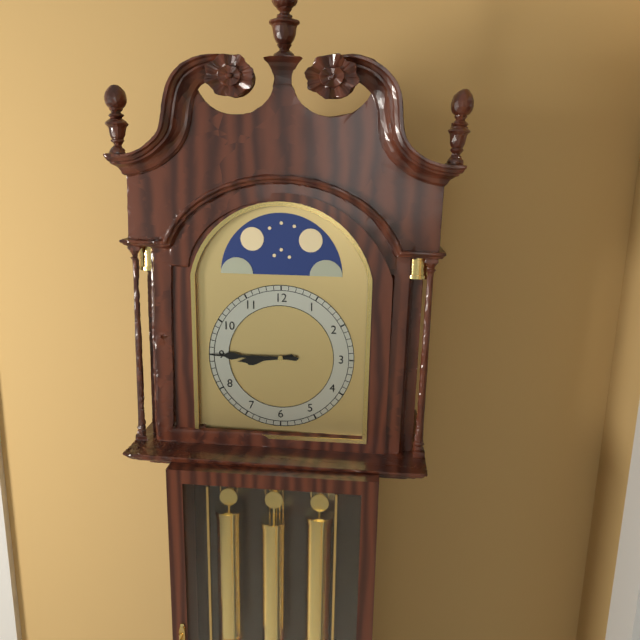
**8:45**
